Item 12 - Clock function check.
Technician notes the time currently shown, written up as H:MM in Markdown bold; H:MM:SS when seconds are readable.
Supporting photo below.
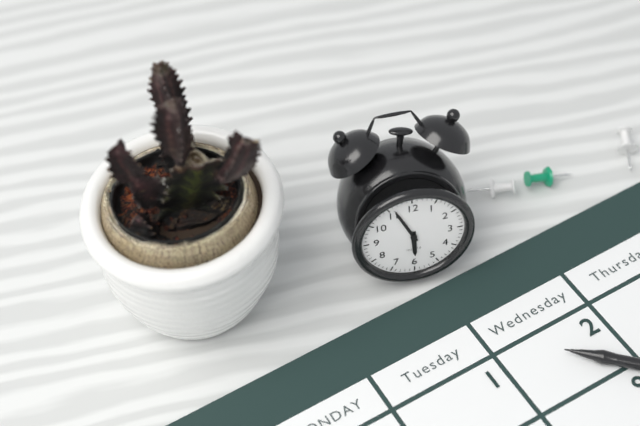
**5:56**
